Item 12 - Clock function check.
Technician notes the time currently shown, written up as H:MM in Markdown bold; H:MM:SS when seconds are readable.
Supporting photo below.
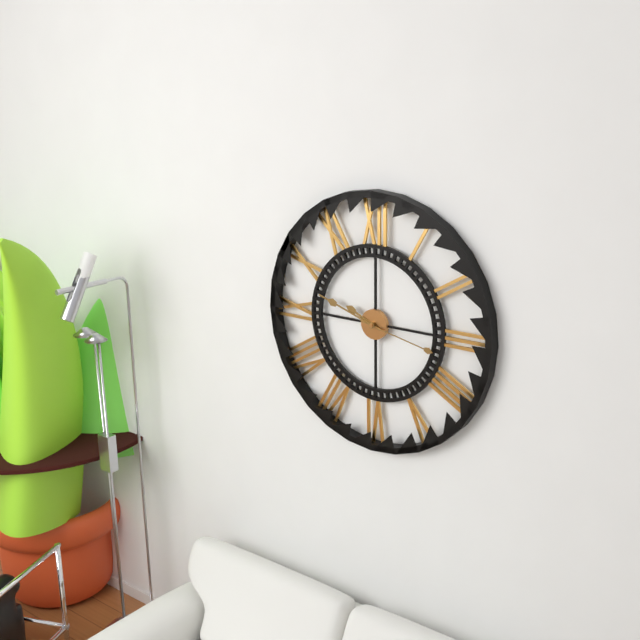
**9:48:17**
